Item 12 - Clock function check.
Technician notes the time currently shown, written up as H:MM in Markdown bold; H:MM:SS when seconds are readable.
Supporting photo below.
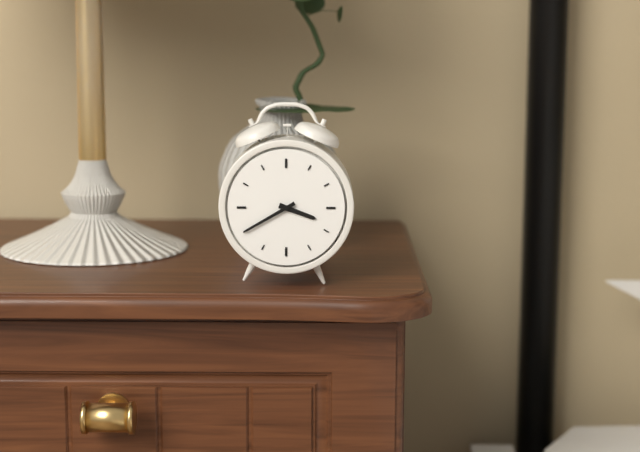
**3:40**
